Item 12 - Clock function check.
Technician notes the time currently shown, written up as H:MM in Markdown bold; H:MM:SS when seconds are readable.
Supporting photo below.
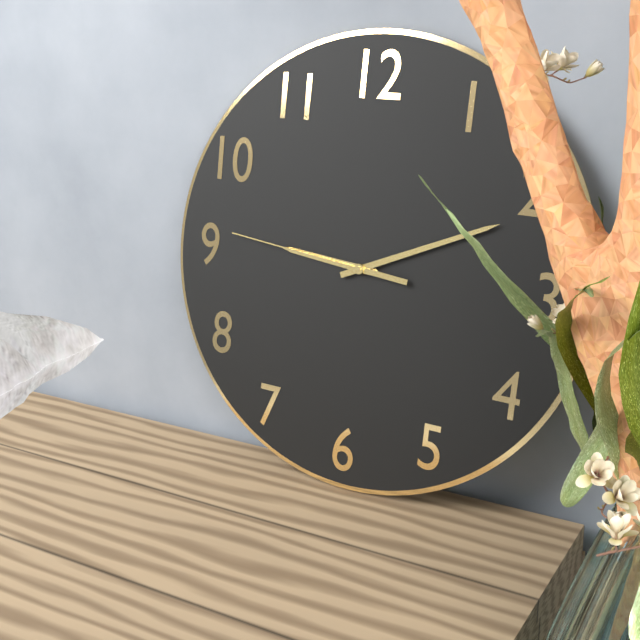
**9:11:46**
